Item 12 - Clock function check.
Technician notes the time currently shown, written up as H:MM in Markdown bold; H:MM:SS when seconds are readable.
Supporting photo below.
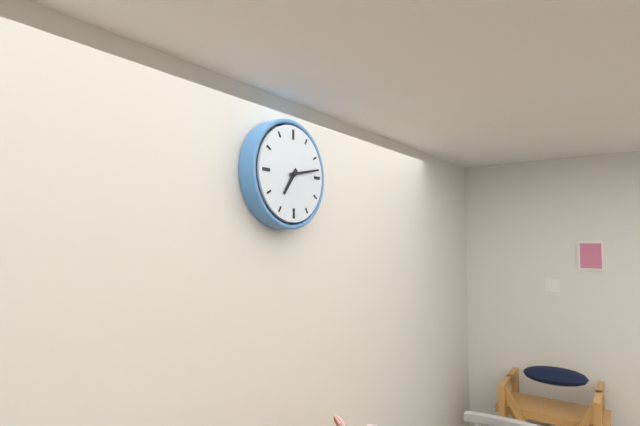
**7:13**
